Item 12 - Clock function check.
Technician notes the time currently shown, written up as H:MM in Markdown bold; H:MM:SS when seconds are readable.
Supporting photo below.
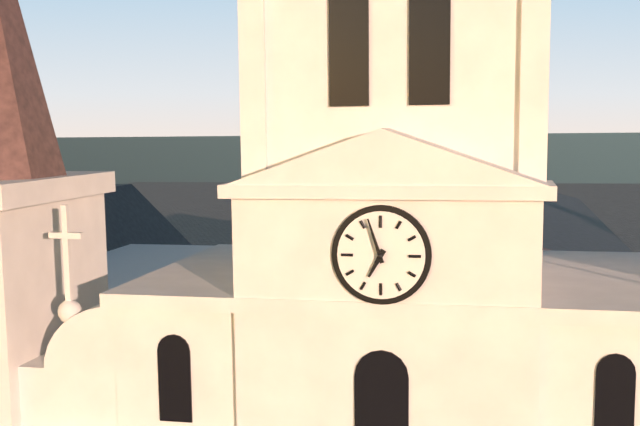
**6:57**
